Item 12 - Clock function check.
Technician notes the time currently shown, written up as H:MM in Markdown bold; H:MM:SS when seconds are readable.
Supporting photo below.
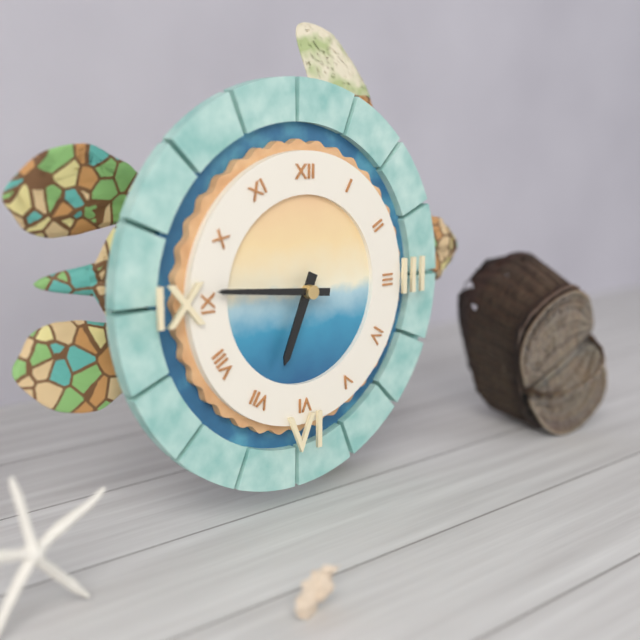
**6:46**
